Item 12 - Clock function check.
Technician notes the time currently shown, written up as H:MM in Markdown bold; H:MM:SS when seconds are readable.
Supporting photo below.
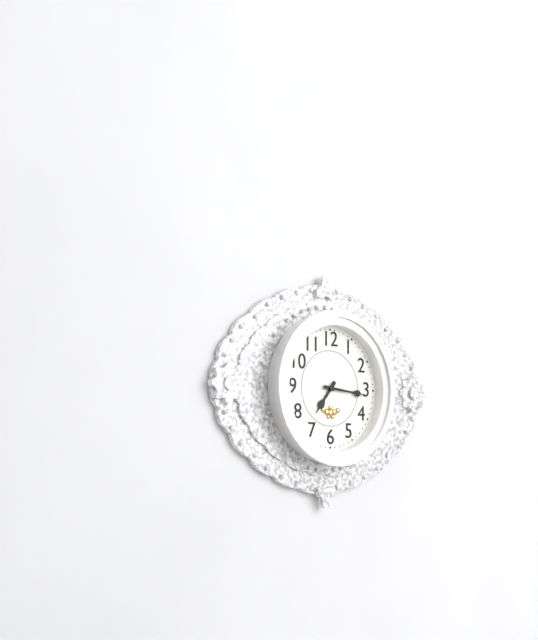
**7:16**
